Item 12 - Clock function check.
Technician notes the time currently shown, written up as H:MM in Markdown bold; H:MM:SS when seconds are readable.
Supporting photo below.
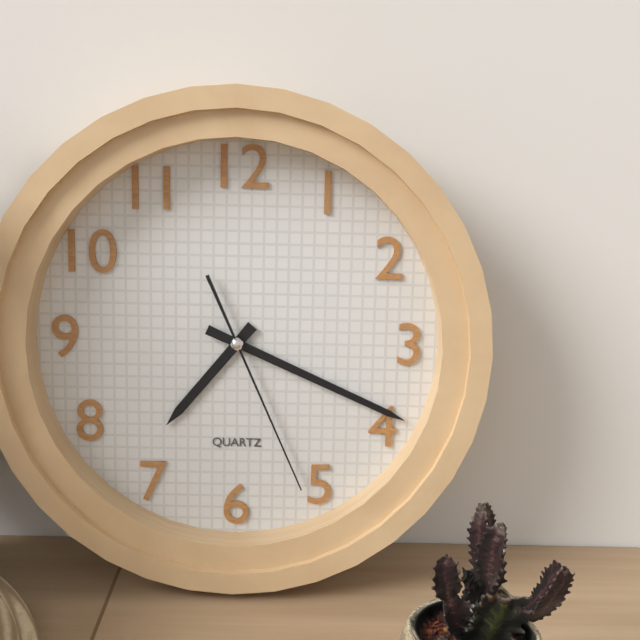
**7:19:26**
